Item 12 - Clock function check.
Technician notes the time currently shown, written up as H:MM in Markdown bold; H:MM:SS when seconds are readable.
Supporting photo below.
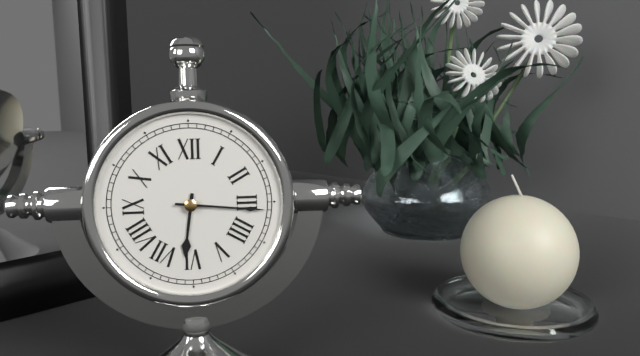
**6:16**
